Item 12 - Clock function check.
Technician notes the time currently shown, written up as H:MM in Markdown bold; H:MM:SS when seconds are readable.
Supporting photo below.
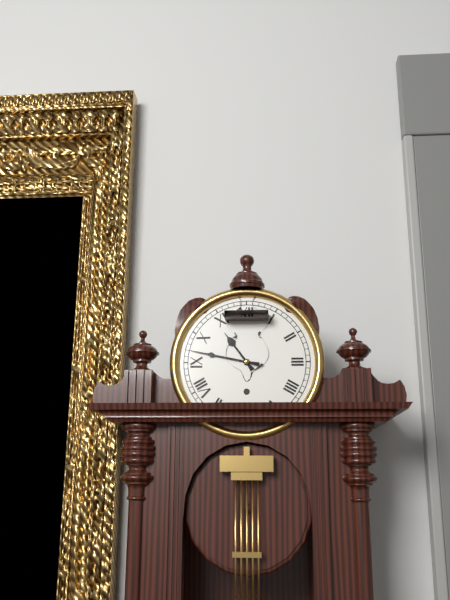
**10:47**
